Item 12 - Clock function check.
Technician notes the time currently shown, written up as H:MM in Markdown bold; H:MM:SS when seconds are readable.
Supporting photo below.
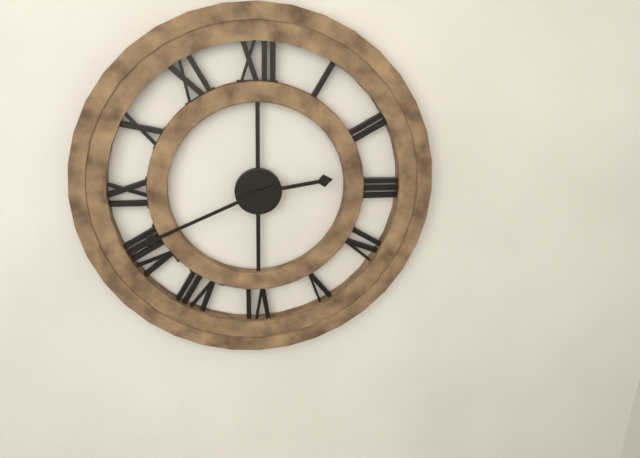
**2:41**
